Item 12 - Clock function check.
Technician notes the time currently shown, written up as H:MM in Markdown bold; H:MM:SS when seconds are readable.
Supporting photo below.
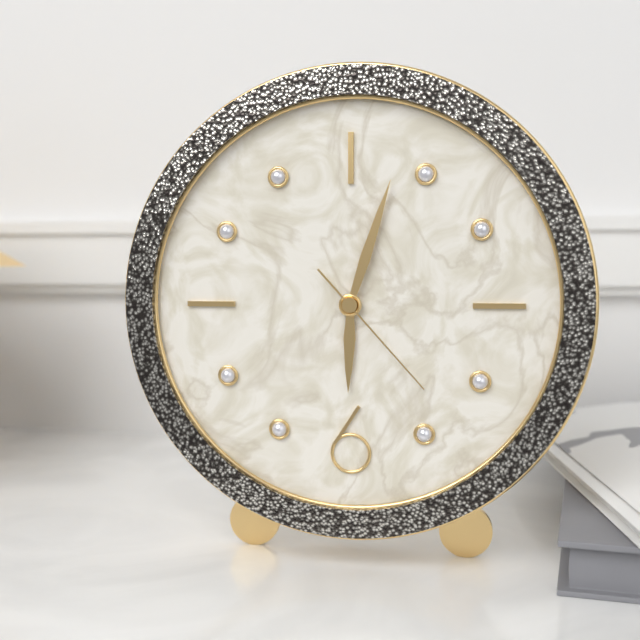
**6:03:23**
